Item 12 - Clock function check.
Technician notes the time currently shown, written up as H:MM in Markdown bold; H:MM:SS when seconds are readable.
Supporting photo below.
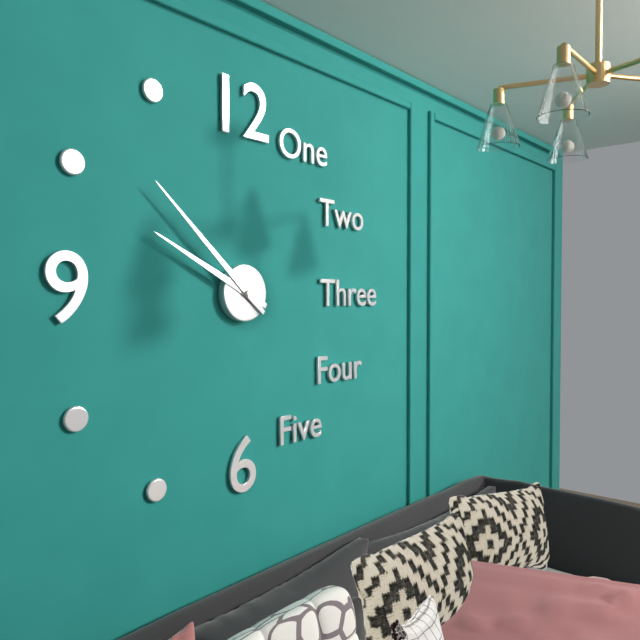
**9:52**
